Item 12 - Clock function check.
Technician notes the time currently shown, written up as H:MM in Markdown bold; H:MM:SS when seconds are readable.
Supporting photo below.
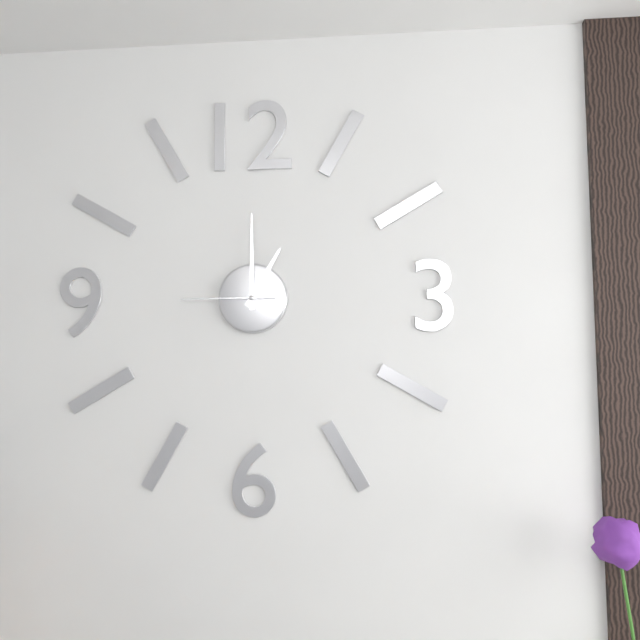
**1:00:45**
